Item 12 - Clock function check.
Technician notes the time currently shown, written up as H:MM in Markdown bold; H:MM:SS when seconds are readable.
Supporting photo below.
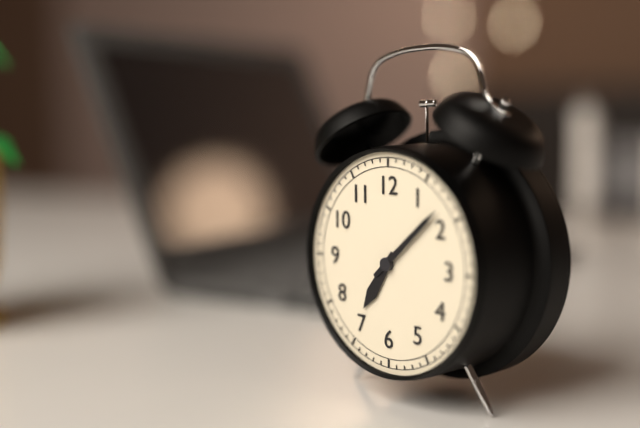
**7:08**
